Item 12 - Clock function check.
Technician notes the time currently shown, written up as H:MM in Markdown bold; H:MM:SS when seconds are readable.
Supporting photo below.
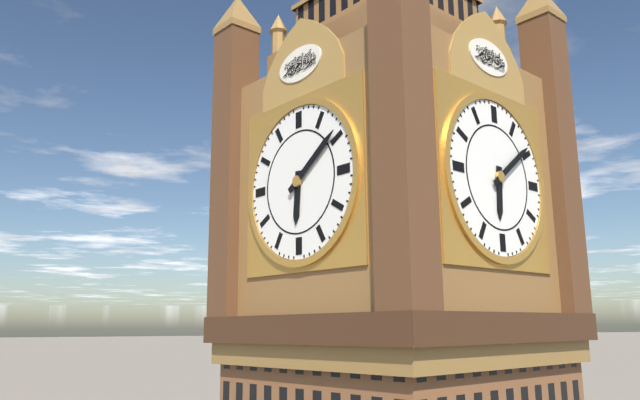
**6:09**
